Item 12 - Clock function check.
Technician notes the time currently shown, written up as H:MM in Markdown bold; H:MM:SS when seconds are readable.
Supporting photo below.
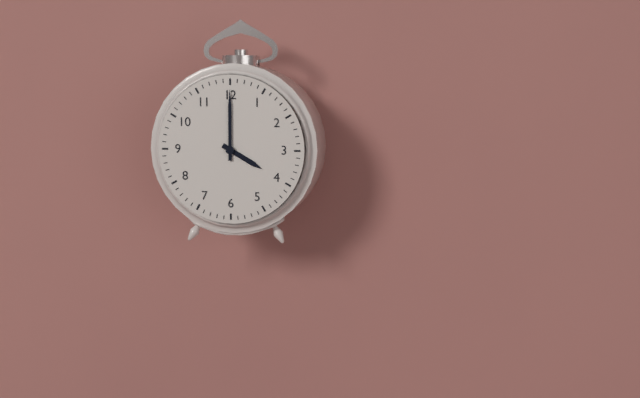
**4:00**
